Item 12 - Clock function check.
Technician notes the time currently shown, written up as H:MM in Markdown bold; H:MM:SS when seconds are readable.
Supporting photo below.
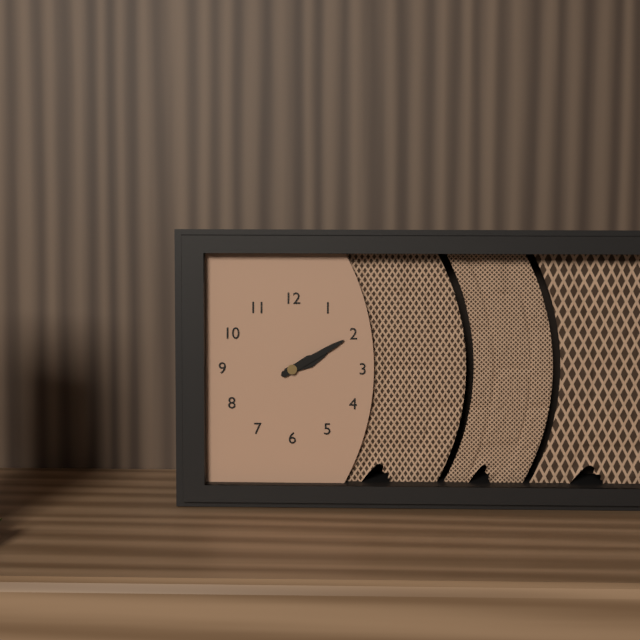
**2:10**
